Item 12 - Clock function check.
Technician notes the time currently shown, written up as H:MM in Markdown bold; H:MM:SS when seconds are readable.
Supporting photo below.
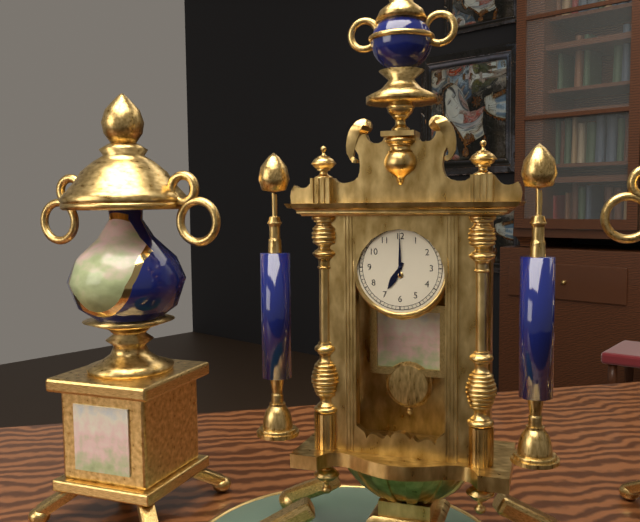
**7:00**
